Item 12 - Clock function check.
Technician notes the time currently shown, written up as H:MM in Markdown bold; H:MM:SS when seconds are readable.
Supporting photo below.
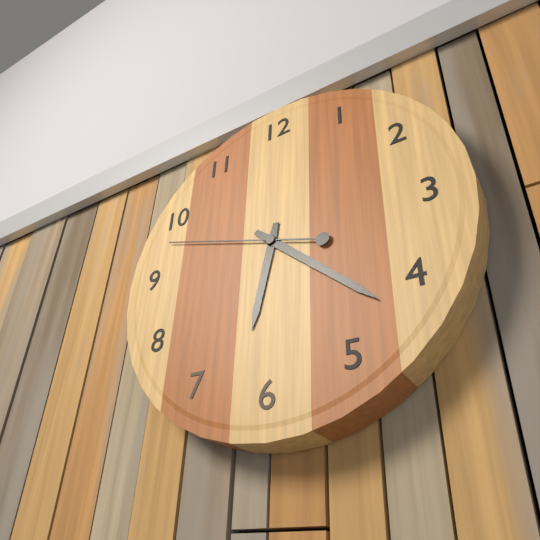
**6:22:48**
